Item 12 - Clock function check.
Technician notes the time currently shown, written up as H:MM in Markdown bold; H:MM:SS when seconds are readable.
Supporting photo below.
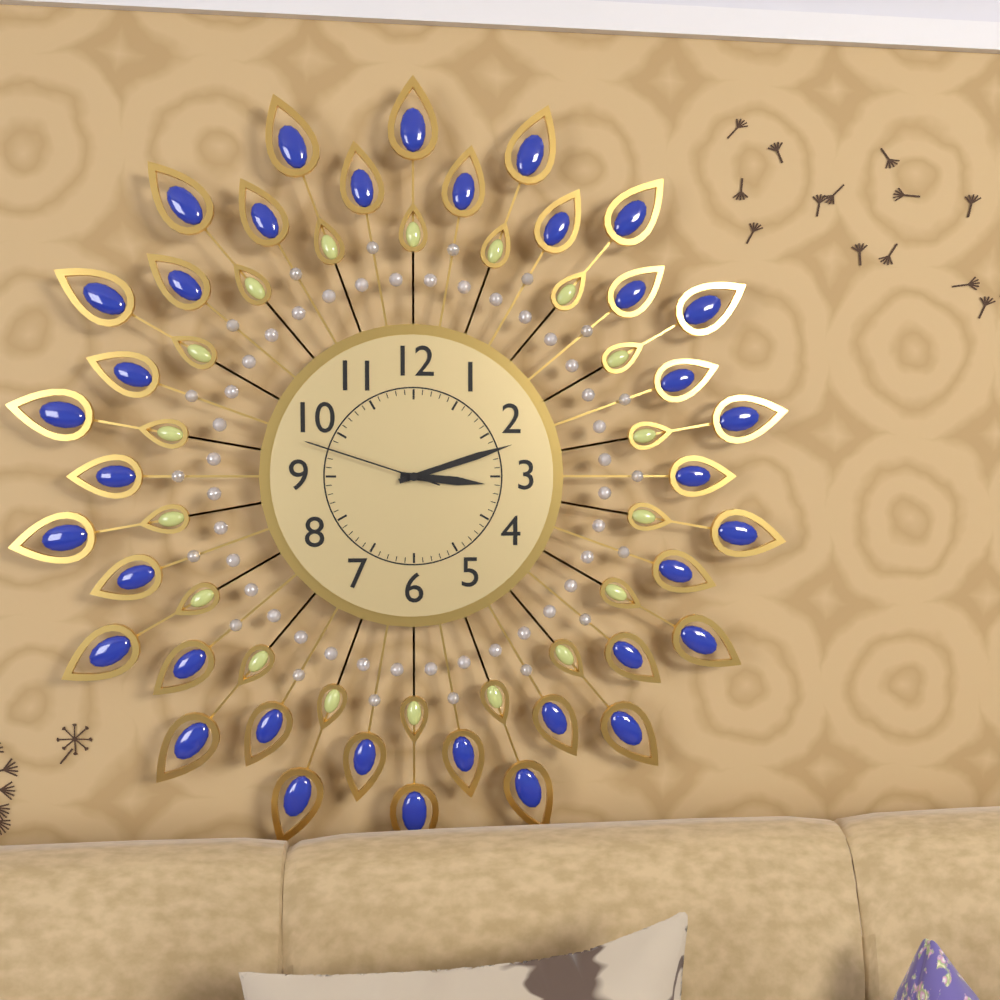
**3:12:48**
